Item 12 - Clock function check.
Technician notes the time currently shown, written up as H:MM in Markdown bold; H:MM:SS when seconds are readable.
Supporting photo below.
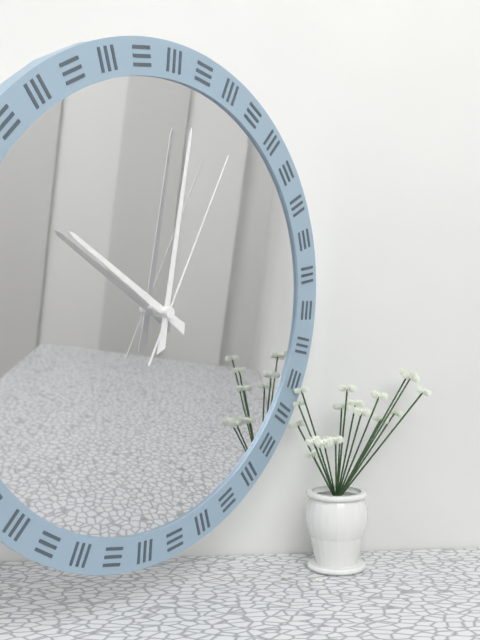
**10:01:04**
